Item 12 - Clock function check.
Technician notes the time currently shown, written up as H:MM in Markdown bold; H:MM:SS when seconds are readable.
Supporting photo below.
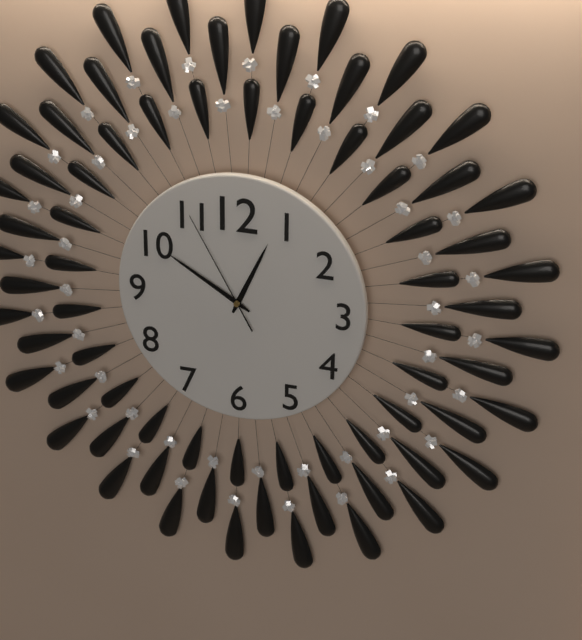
**12:50:55**
